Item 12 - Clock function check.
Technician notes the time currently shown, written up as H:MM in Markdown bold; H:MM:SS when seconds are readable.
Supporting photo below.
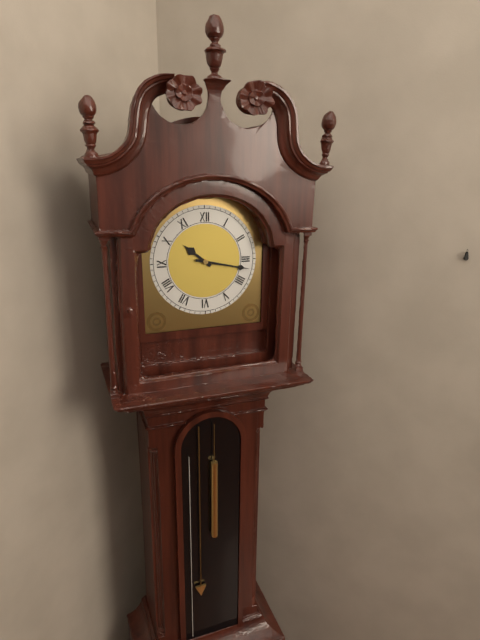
**10:17**
